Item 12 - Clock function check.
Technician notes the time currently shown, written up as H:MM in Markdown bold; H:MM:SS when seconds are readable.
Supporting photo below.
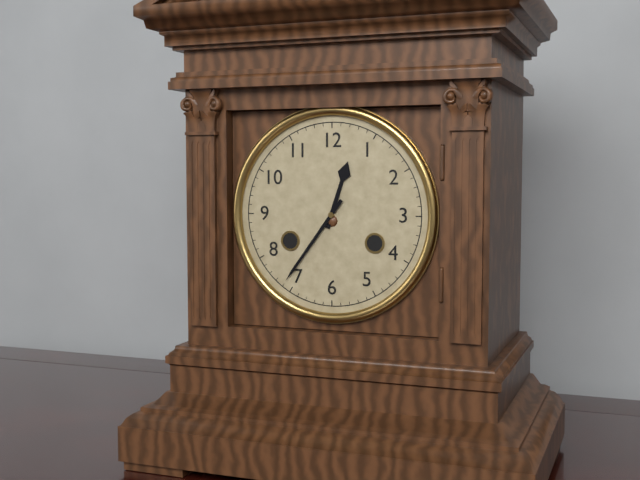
**12:36**
